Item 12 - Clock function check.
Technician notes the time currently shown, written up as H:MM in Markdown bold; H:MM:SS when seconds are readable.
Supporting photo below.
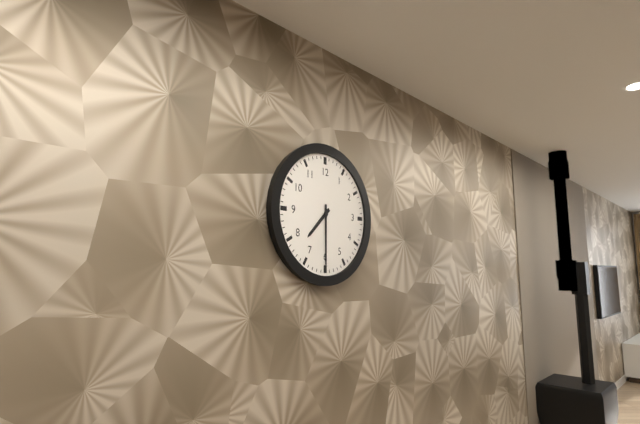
**7:30**
